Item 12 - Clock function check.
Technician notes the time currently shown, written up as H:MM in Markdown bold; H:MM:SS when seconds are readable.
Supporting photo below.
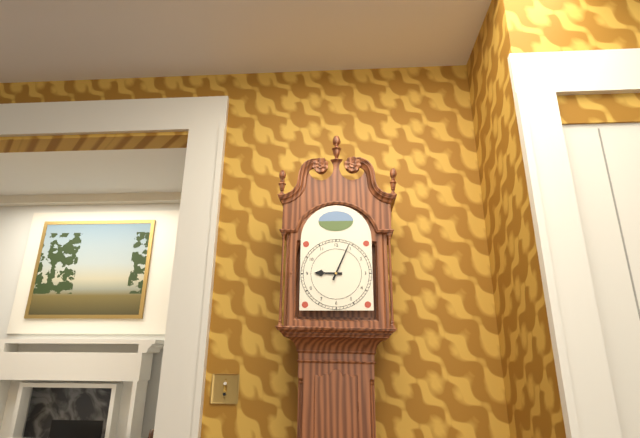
**9:04**
